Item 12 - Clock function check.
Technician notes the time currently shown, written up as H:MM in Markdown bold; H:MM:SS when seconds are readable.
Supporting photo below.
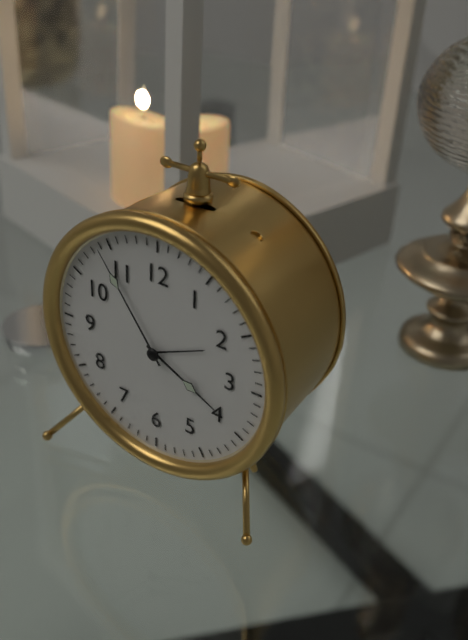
**3:54**
